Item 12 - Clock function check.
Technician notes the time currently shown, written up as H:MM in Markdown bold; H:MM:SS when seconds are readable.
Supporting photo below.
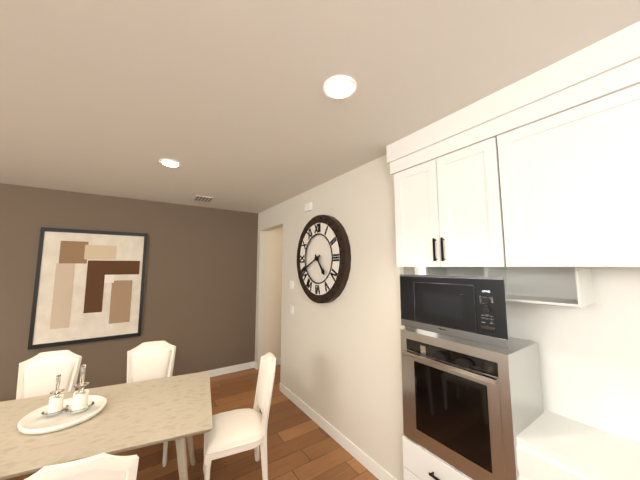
**4:41**
